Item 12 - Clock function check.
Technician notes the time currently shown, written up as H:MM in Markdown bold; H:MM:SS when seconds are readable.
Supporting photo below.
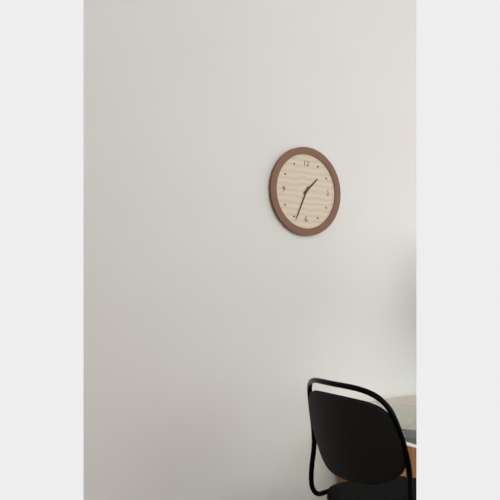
**1:34**
